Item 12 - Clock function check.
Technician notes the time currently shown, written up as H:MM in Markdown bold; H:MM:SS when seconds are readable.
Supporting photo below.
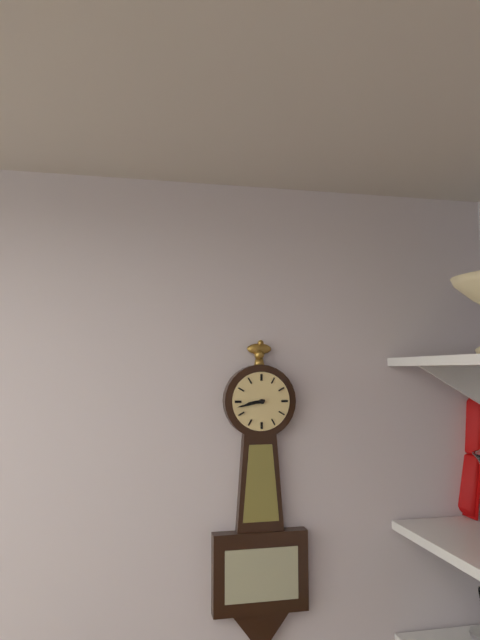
**8:43**
